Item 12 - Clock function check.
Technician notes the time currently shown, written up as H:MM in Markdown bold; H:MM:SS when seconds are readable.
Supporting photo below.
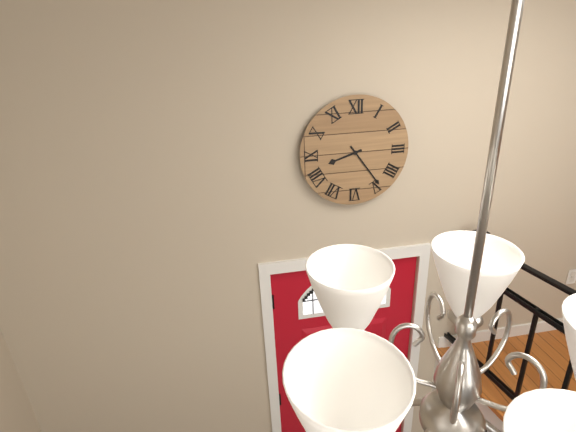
**8:24**
